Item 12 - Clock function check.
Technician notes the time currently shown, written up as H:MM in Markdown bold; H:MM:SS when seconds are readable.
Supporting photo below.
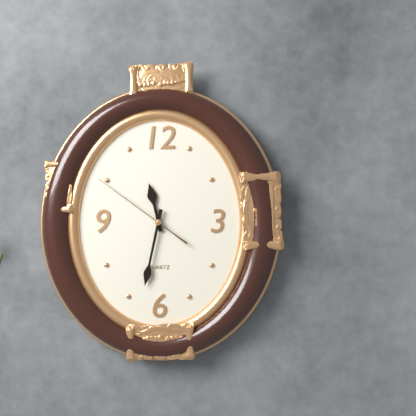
**11:32:51**
